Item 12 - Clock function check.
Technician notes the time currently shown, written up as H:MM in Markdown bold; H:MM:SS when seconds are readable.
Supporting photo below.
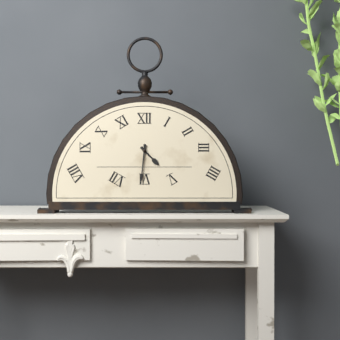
**4:31**
